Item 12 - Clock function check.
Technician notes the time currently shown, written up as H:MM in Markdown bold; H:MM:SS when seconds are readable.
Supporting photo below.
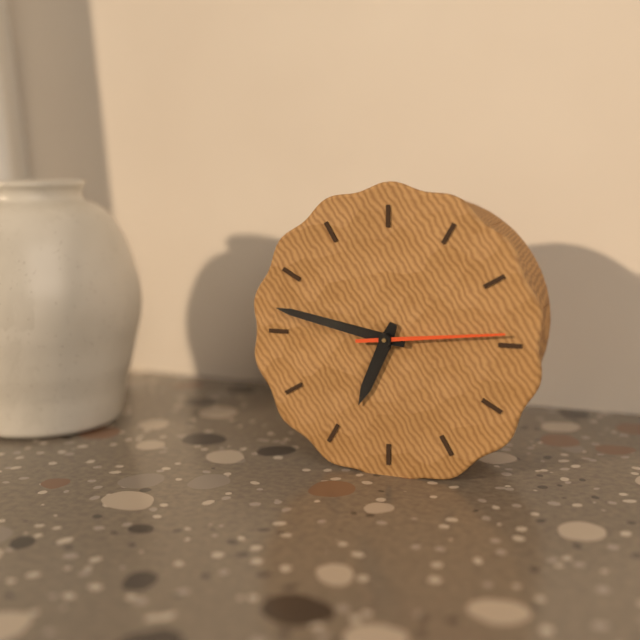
**6:47:14**
